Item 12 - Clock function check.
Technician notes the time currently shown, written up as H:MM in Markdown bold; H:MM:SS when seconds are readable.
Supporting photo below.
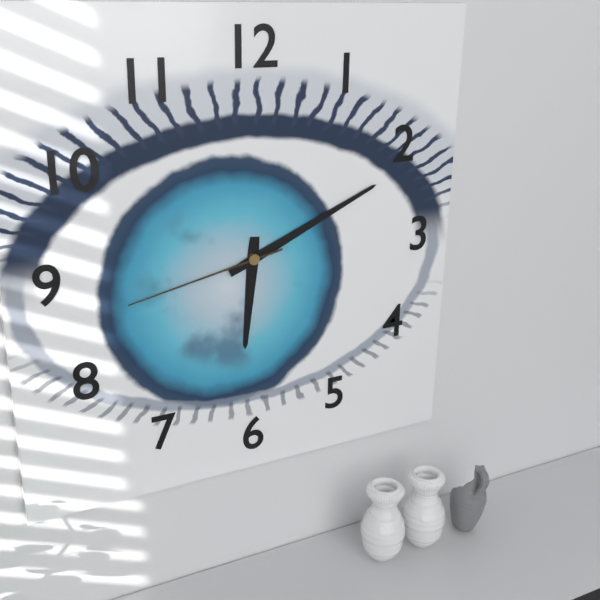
**6:11:43**
